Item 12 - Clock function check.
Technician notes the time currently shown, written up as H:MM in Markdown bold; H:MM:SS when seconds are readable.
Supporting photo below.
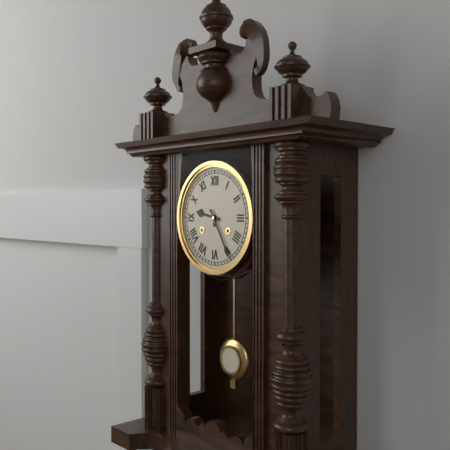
**9:25**
